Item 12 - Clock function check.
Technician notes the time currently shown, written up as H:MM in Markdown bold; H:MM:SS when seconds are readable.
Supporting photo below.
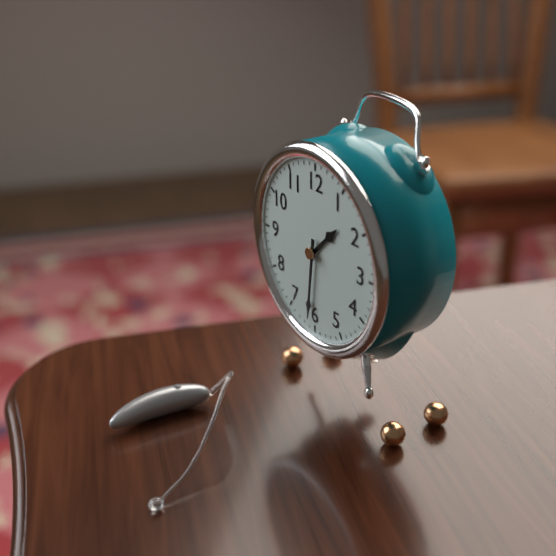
**1:31**
